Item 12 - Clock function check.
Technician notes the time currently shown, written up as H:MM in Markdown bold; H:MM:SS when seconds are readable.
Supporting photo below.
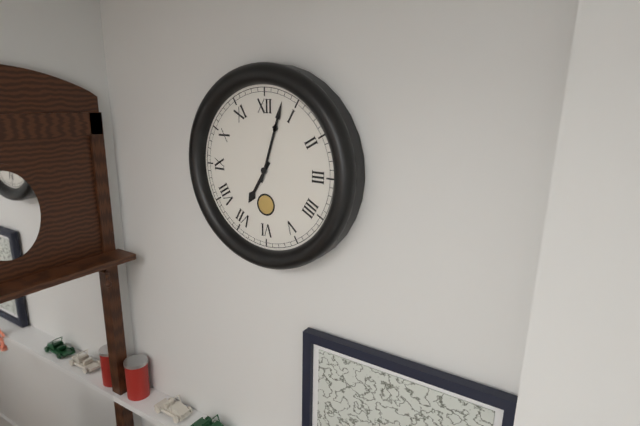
**7:03**
